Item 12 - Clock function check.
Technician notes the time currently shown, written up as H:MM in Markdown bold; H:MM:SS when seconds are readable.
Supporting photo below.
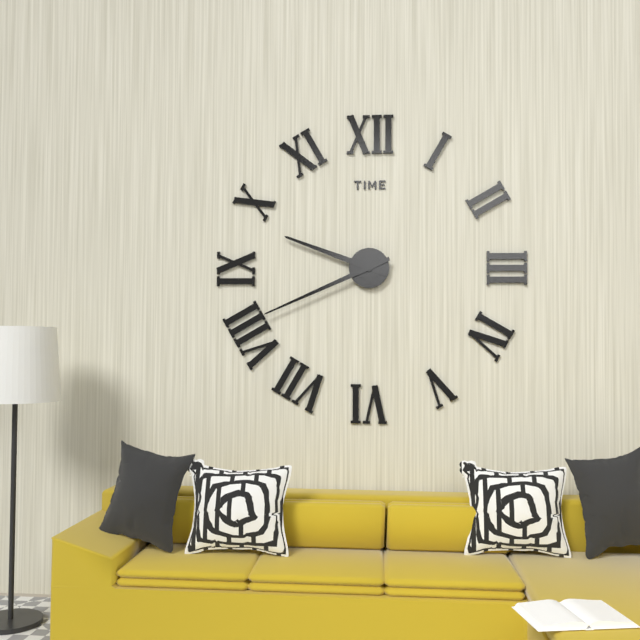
**9:41**
